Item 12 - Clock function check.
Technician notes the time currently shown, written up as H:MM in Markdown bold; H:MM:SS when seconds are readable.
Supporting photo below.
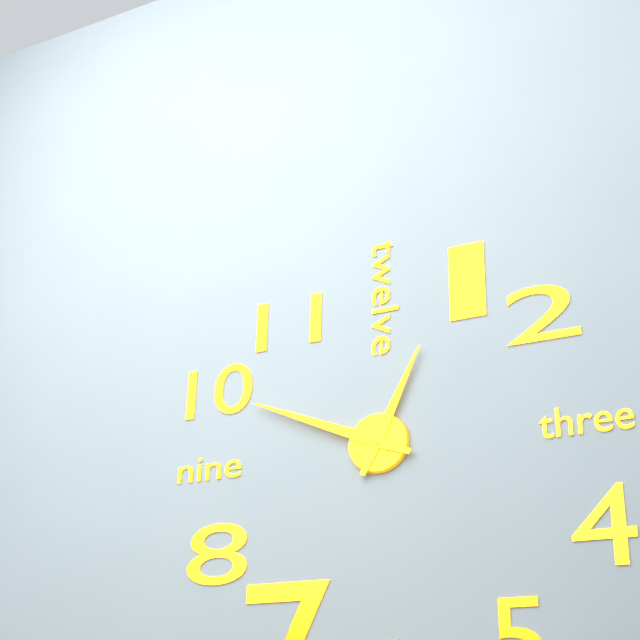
**12:49**
